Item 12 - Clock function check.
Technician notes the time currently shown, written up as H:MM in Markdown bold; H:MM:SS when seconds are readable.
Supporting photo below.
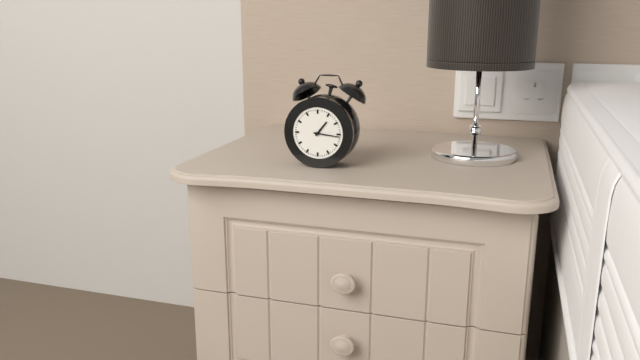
**1:16**
